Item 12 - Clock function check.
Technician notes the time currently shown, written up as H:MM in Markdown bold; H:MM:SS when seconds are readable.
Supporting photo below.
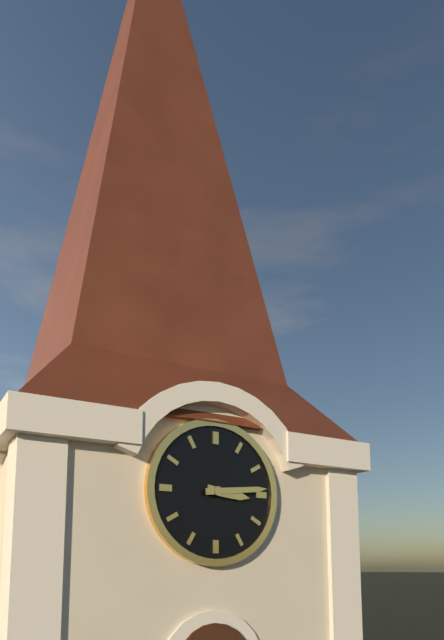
**3:14**
